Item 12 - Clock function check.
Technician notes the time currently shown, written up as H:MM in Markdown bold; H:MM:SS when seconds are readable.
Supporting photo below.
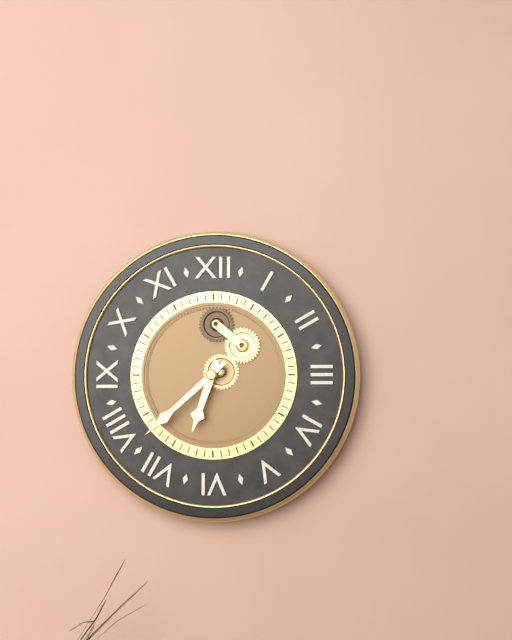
**6:38**
